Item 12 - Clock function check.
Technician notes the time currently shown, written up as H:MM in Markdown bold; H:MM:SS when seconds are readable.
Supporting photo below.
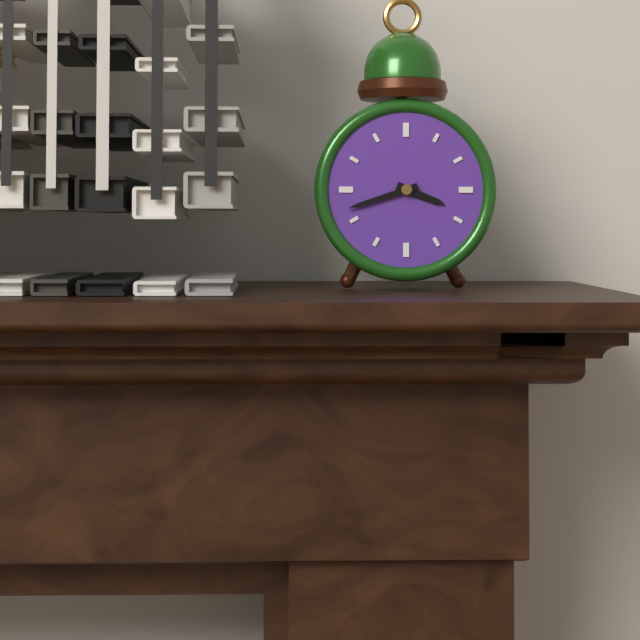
**3:42**
